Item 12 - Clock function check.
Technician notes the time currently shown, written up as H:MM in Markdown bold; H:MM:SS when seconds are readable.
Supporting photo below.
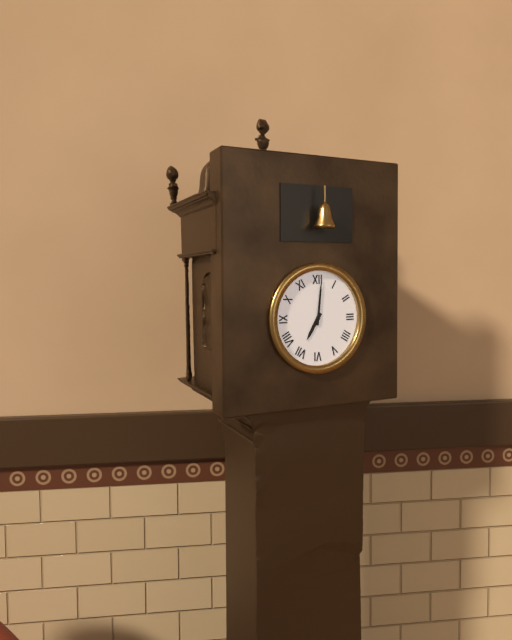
**7:01**
